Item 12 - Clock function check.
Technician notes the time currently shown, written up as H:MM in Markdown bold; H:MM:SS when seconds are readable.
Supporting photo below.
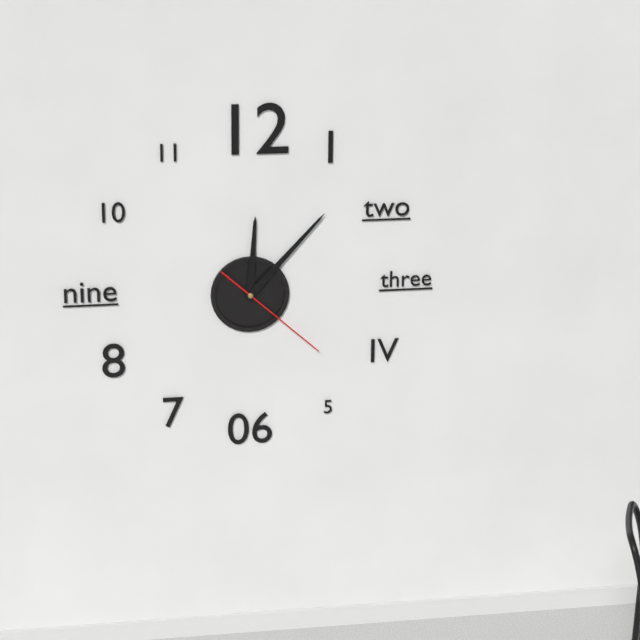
**12:07:22**
